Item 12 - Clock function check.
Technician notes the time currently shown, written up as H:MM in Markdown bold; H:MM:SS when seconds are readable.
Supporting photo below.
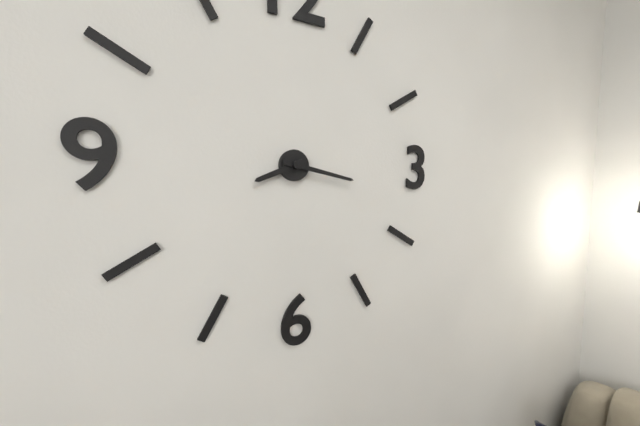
**8:17**
